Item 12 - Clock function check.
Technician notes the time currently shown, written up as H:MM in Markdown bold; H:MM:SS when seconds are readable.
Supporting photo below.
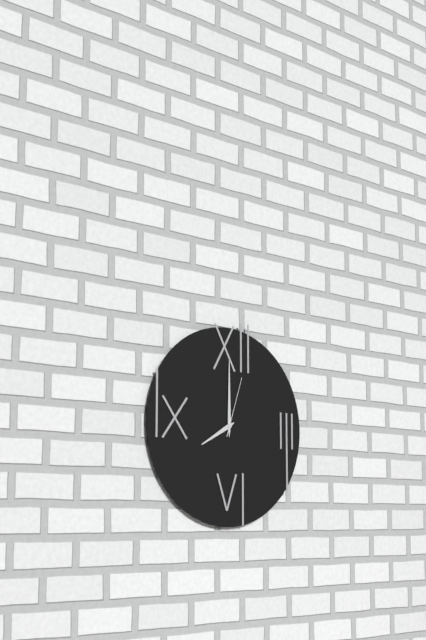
**8:00:03**
